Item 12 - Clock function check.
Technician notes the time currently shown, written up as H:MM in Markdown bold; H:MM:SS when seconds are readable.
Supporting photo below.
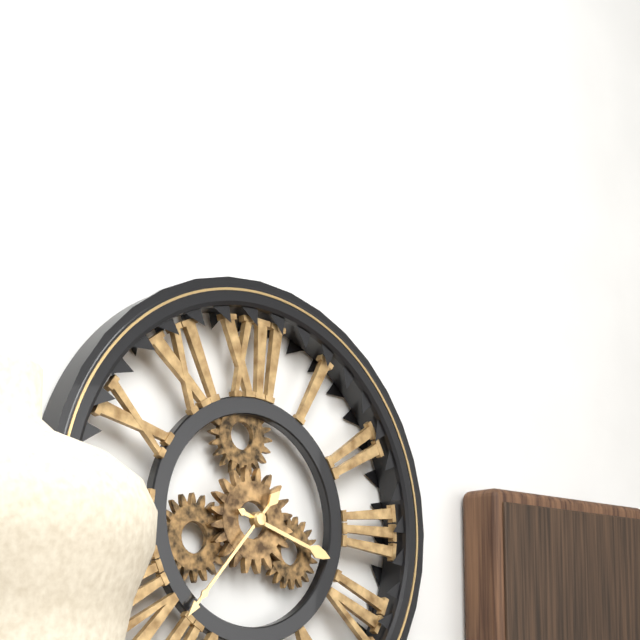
**3:37**
